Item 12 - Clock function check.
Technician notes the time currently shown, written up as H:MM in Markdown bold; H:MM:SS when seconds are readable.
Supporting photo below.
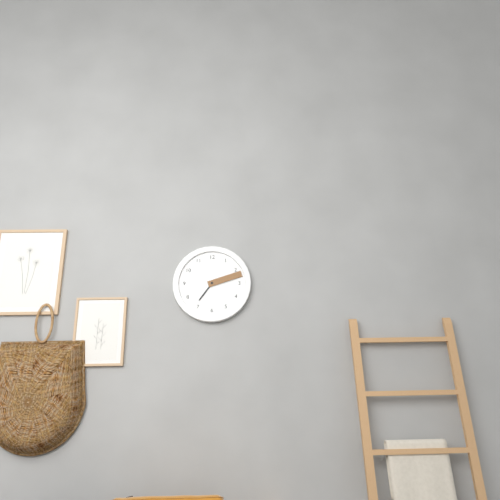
**7:12**
